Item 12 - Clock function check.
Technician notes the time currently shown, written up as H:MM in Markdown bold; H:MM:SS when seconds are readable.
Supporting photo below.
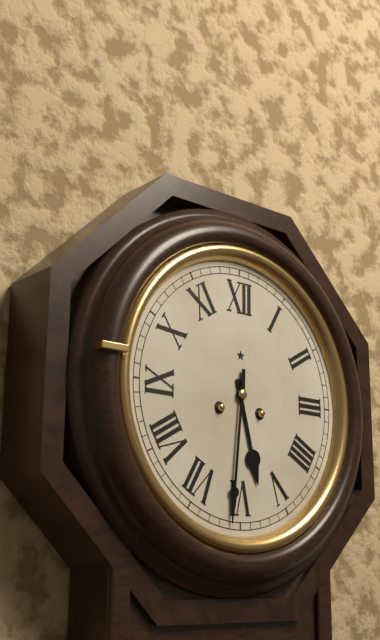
**5:31**
